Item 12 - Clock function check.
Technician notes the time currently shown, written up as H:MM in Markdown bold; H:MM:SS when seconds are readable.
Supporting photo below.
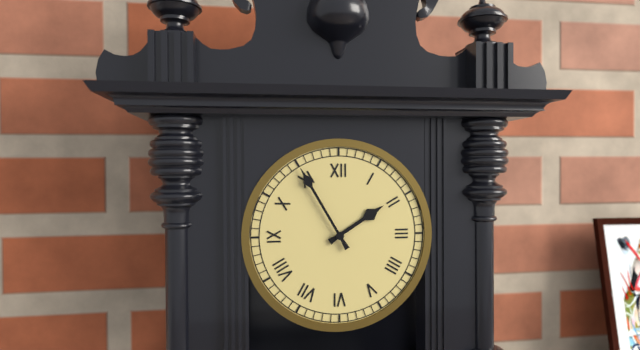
**1:55**
